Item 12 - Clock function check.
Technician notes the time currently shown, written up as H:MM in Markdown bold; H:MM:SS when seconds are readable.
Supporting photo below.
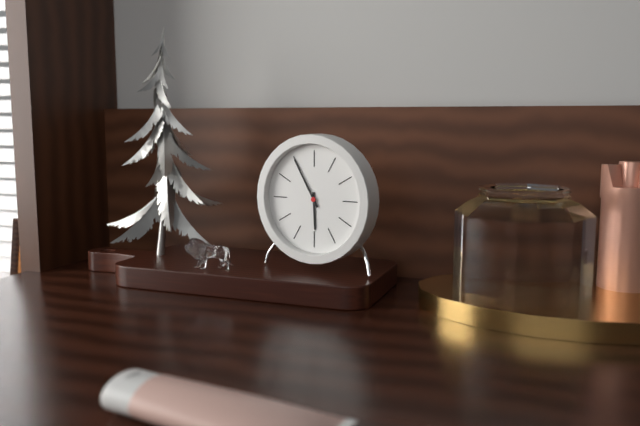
**5:55**
